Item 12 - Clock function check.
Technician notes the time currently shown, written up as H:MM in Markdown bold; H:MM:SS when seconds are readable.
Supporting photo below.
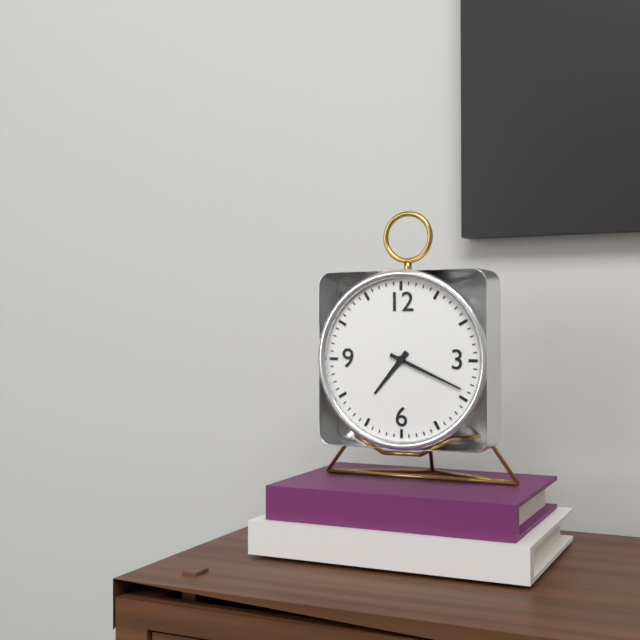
**7:19**
